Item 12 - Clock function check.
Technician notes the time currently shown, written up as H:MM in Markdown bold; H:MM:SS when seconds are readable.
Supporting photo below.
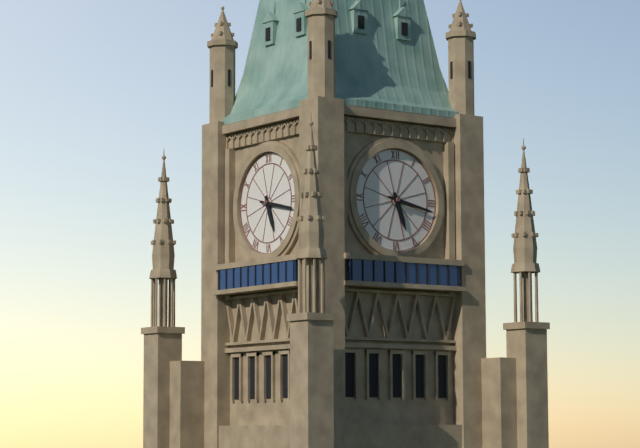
**5:17**
